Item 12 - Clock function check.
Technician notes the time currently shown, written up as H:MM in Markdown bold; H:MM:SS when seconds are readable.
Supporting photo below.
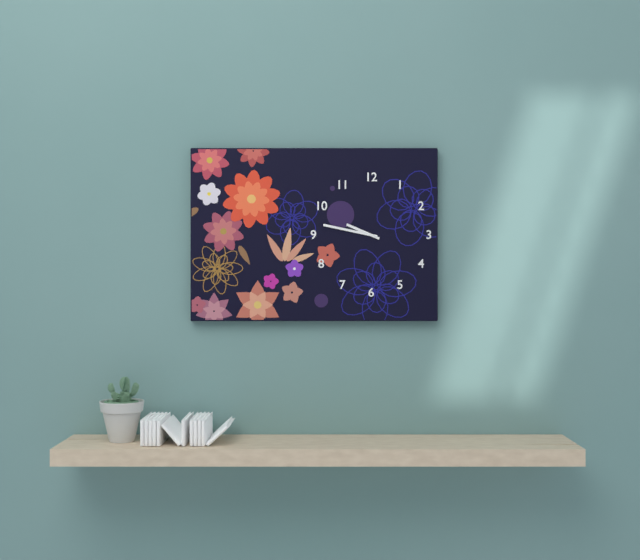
**9:47**
